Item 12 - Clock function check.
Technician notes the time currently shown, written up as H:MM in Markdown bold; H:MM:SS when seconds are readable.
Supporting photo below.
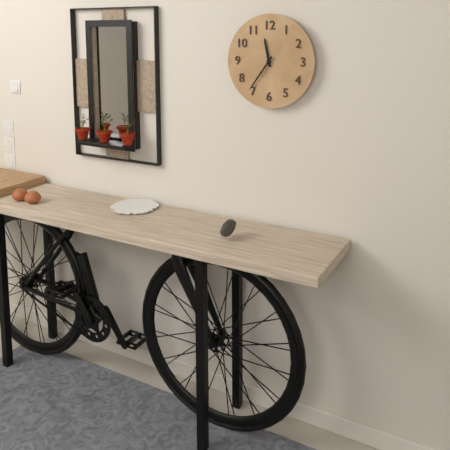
**11:36**
